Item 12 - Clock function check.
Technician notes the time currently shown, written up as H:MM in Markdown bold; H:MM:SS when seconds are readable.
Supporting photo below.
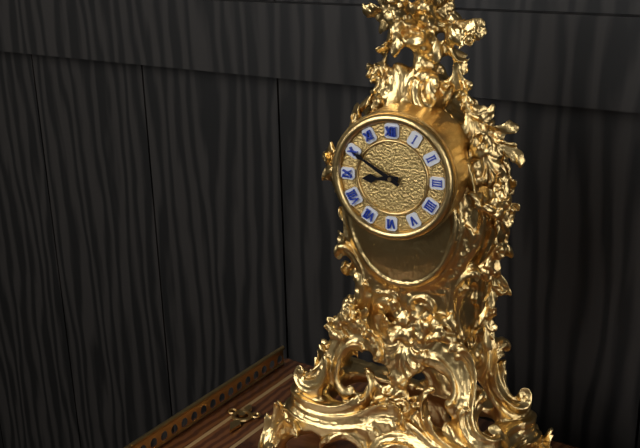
**8:50**
